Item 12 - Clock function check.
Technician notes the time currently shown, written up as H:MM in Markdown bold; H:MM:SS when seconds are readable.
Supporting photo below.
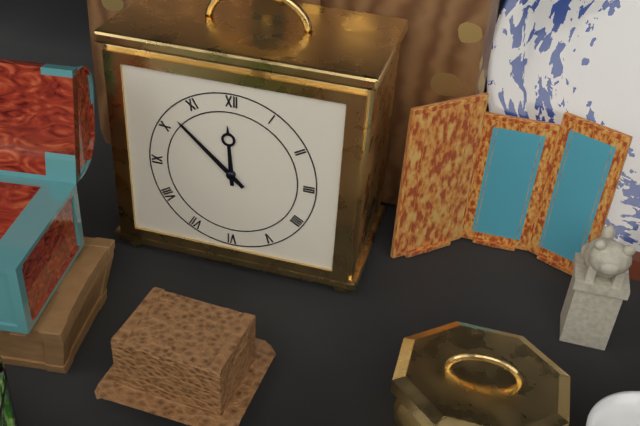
**11:52**
